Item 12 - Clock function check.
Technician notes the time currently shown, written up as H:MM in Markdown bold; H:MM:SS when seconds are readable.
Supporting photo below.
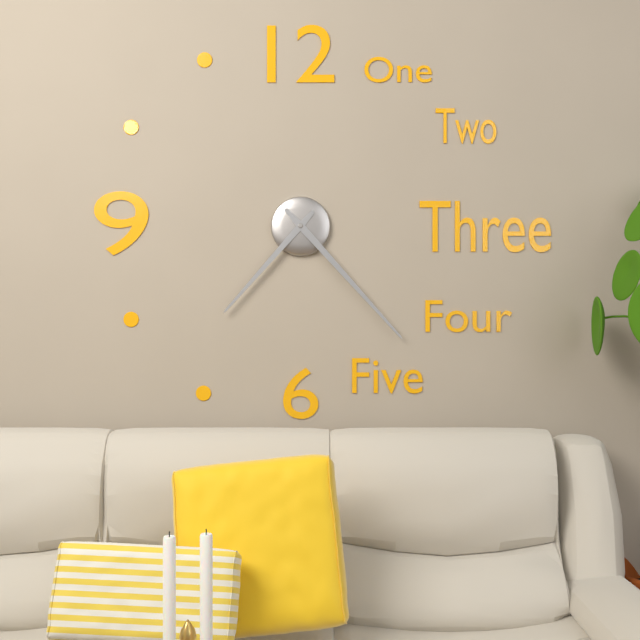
**7:23**
